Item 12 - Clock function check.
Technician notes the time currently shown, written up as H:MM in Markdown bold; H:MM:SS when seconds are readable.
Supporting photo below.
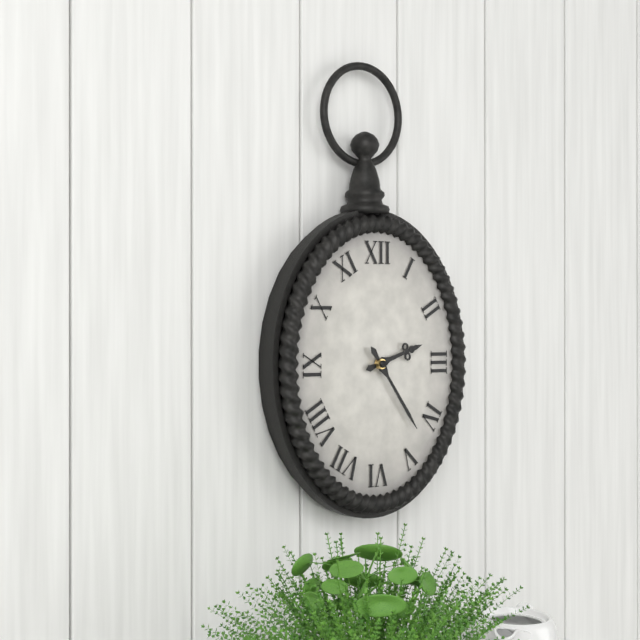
**2:24**
